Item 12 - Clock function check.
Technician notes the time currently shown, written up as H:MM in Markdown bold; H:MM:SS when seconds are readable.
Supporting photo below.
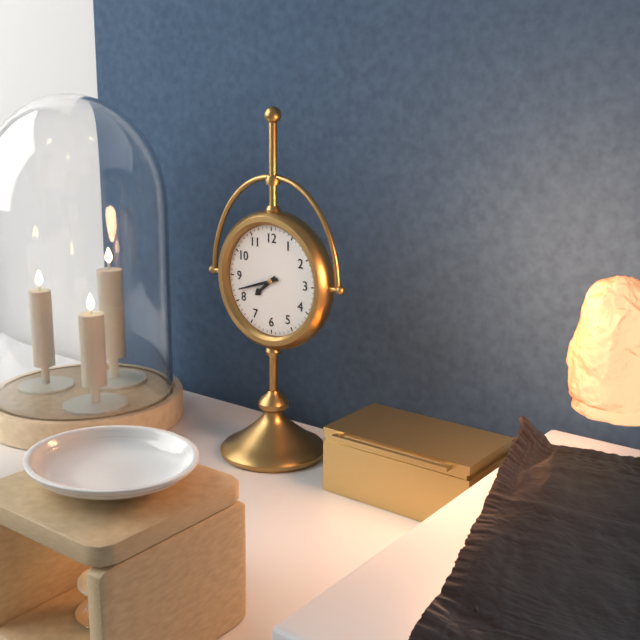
**7:42**
